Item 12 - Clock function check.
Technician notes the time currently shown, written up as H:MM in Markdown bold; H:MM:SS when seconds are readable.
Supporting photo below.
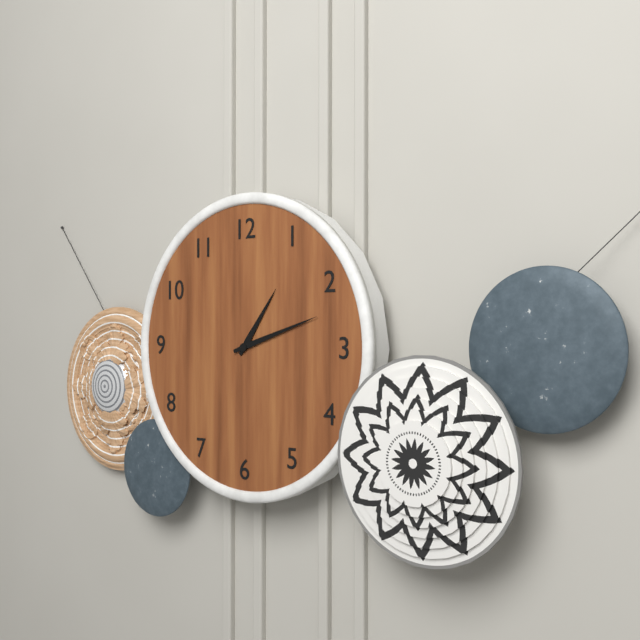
**1:12**
